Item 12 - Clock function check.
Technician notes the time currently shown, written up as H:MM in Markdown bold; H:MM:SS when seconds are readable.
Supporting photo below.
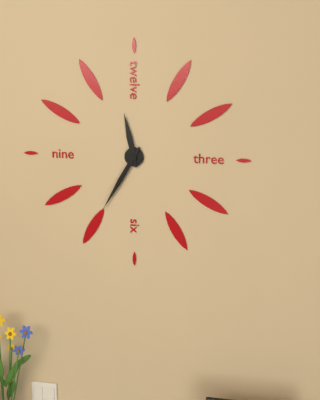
**11:35**
